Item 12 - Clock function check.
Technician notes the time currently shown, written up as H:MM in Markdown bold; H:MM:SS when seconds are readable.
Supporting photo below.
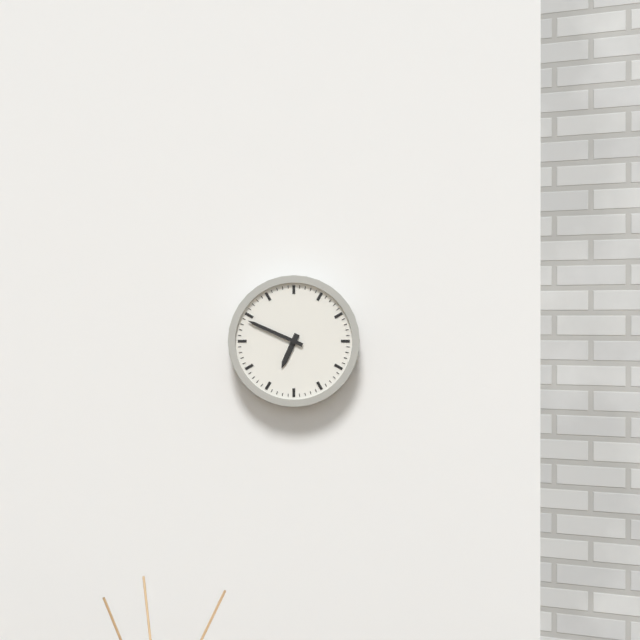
**6:49**
